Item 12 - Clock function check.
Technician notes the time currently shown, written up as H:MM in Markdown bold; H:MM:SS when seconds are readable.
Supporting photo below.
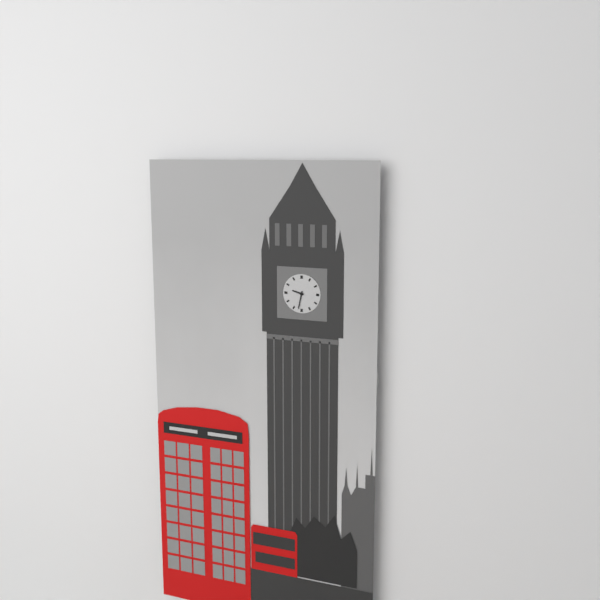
**9:32**
